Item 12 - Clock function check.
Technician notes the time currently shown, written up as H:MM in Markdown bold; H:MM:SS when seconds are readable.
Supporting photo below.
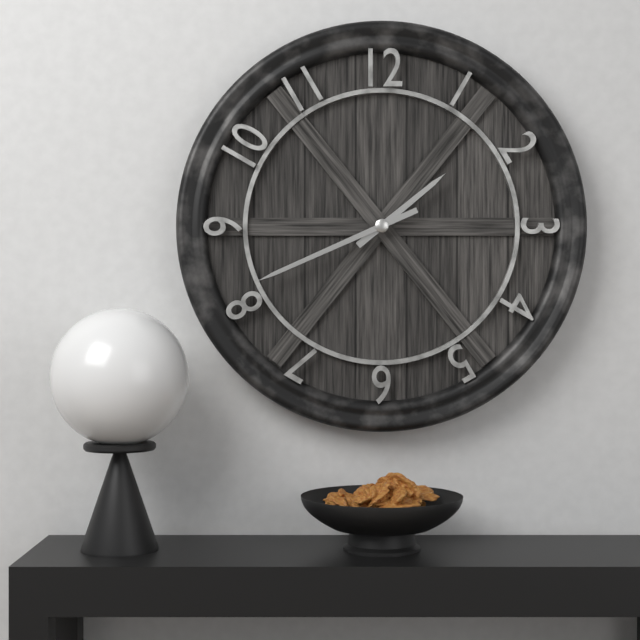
**1:41**
